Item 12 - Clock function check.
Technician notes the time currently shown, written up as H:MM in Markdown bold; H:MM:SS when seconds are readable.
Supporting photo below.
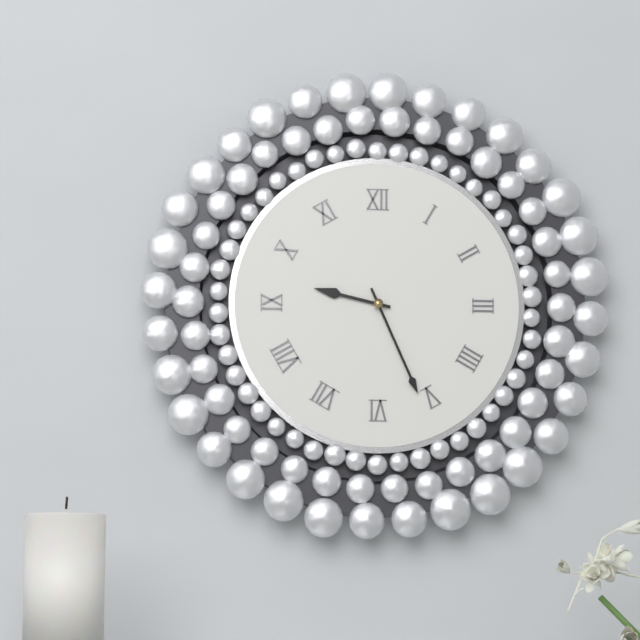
**9:26**
